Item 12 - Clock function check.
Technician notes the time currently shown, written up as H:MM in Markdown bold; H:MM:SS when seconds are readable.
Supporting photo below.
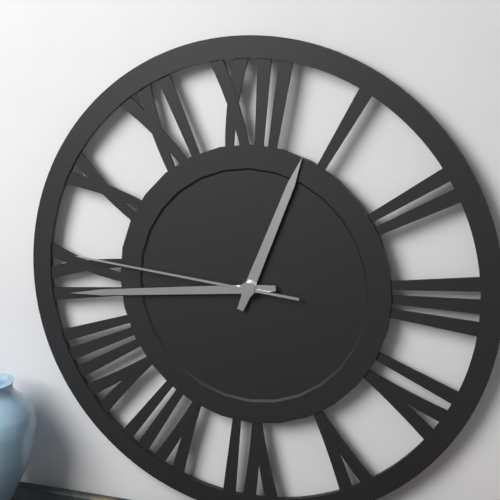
**12:44:46**
